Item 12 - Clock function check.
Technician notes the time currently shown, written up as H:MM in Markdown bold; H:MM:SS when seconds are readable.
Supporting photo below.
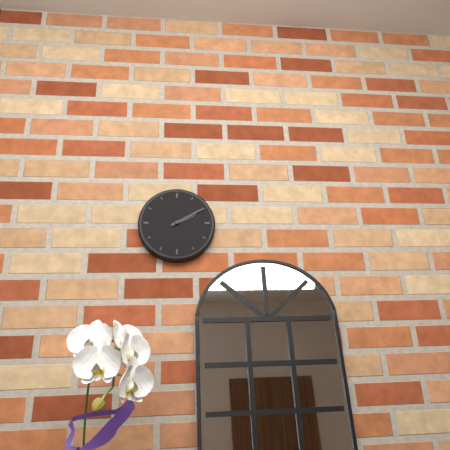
**2:10**
